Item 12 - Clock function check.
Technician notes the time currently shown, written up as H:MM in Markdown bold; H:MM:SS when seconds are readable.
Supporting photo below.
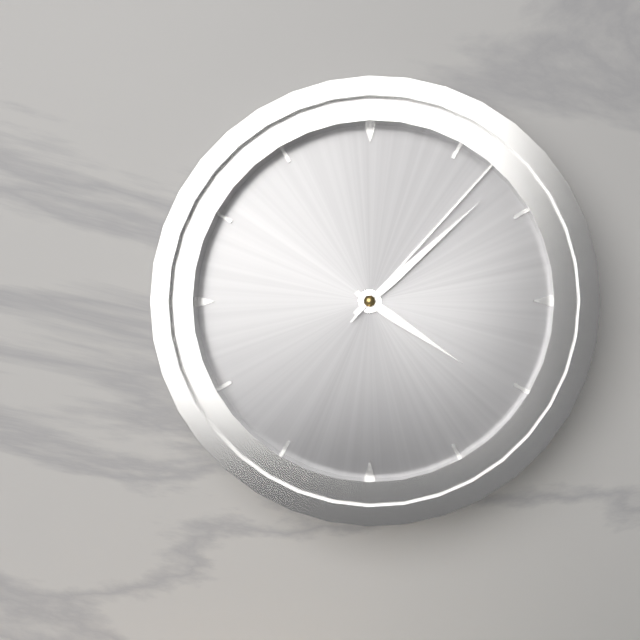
**4:08:07**
